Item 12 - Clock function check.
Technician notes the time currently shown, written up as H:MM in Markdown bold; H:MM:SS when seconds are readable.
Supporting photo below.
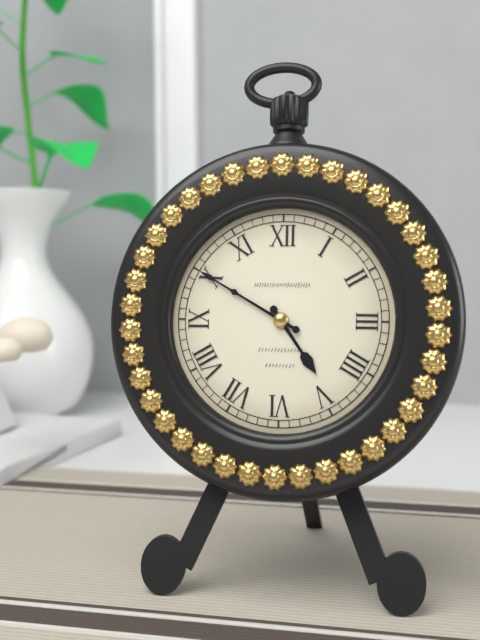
**4:50**
